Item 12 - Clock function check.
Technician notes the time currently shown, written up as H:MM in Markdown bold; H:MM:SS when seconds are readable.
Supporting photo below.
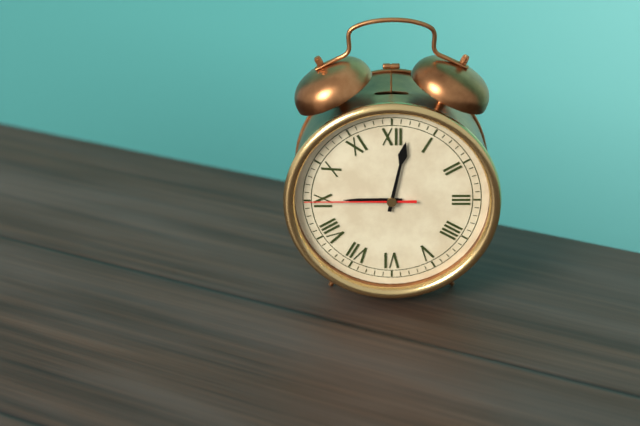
**9:02:45**
